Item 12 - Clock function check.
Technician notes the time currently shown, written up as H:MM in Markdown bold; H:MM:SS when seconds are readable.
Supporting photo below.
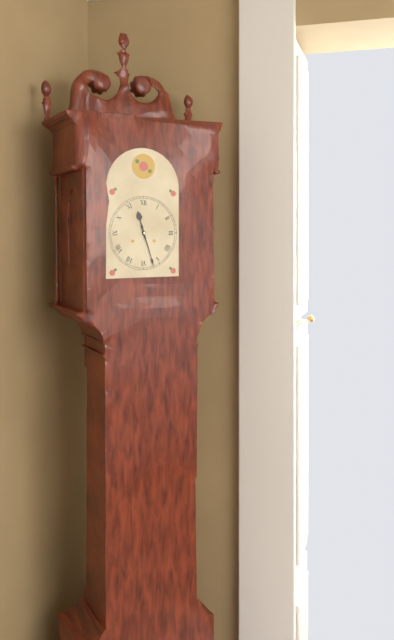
**11:27**
